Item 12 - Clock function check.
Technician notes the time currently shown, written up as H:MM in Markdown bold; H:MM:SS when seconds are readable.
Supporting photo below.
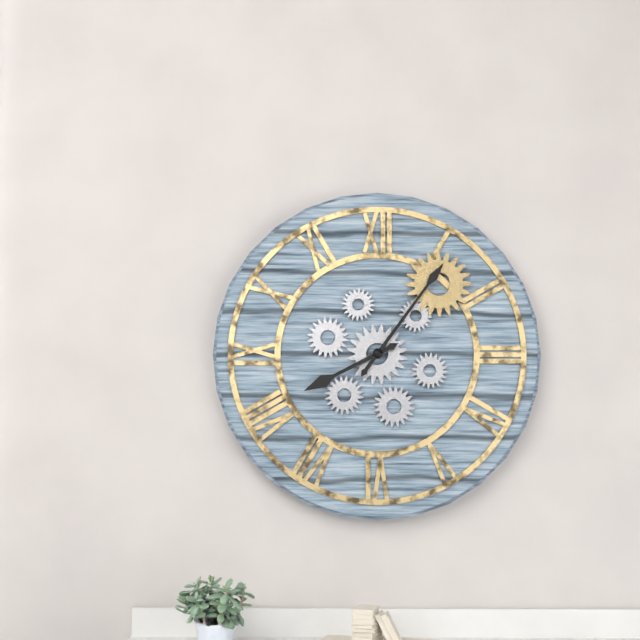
**8:06**
